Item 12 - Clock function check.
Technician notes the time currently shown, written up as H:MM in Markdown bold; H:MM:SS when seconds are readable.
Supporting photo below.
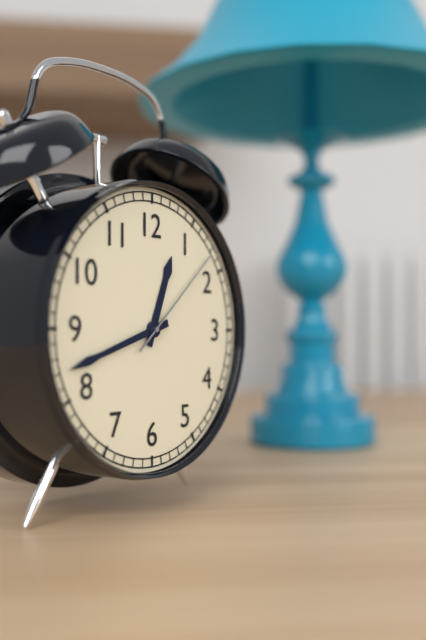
**12:42:08**
